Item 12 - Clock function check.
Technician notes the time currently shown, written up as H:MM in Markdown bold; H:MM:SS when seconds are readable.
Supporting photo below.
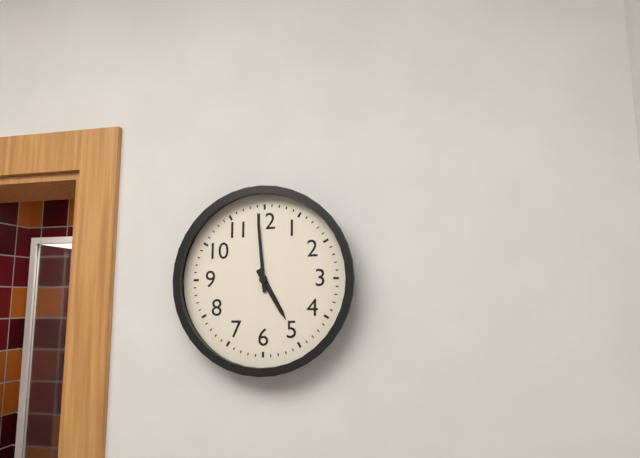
**4:59**
